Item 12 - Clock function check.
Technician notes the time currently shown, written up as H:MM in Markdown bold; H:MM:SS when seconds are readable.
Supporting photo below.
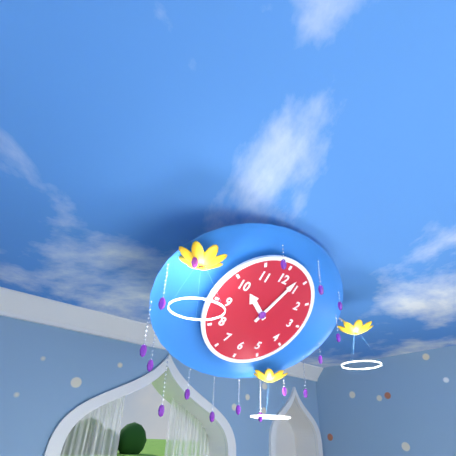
**10:03**
